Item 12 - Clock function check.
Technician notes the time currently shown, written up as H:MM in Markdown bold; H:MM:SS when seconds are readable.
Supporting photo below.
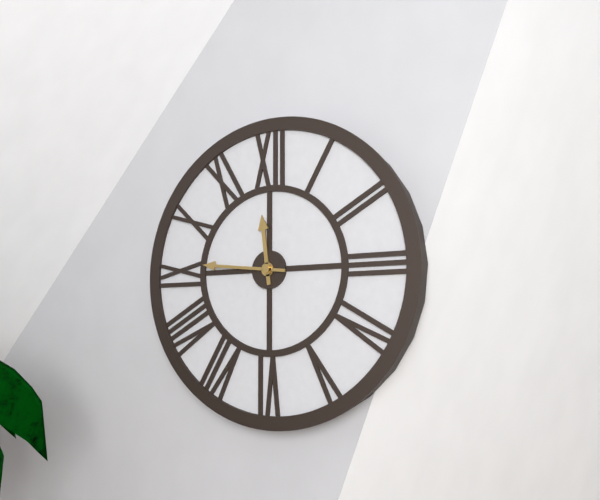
**11:46**
